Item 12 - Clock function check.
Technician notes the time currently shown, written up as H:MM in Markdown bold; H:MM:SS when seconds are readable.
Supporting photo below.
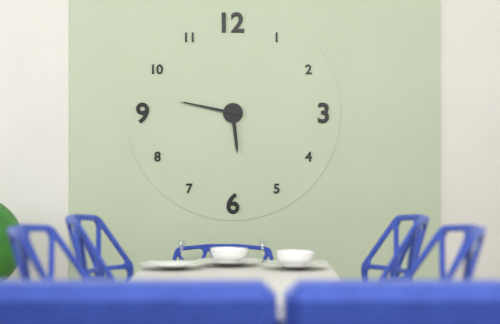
**5:47**
